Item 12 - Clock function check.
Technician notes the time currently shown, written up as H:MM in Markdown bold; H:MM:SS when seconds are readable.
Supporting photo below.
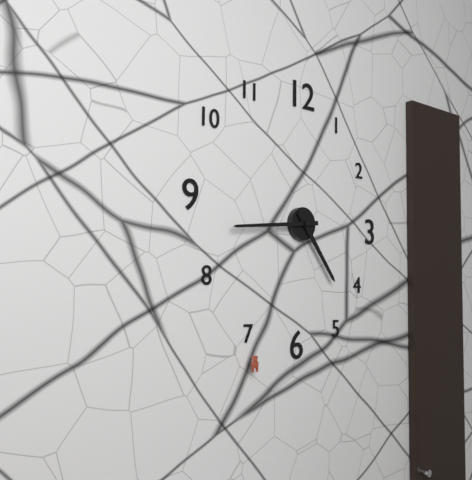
**4:44**
